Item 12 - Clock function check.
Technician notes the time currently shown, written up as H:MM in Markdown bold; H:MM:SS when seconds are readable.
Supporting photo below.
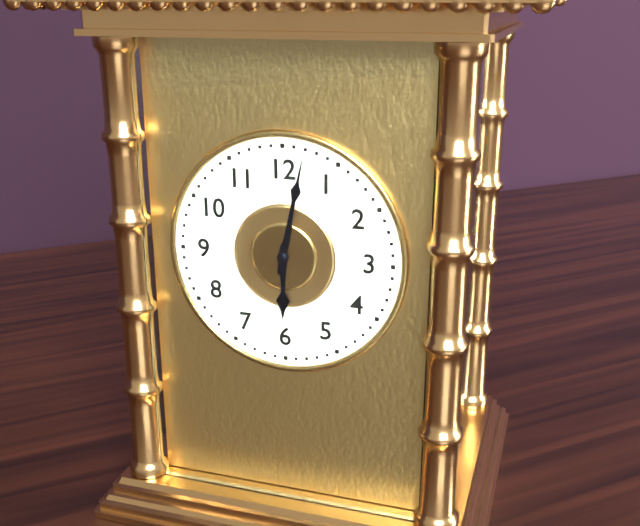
**6:02**
